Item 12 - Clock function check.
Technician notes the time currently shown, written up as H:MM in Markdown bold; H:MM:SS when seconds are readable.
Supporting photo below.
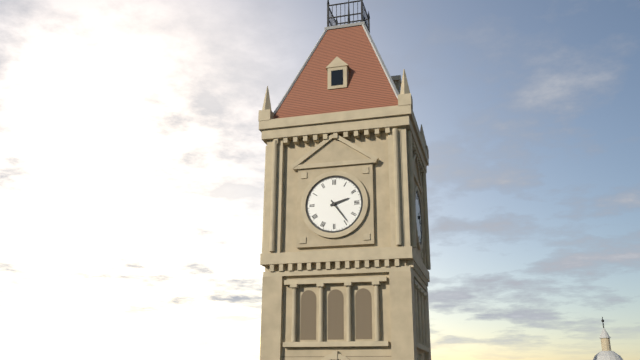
**2:24**
